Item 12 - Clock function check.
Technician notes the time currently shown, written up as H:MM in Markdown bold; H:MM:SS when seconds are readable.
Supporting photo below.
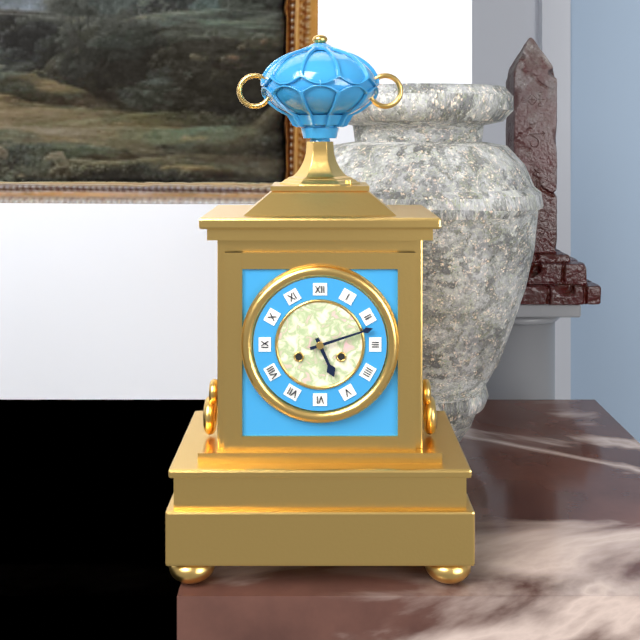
**5:12**
